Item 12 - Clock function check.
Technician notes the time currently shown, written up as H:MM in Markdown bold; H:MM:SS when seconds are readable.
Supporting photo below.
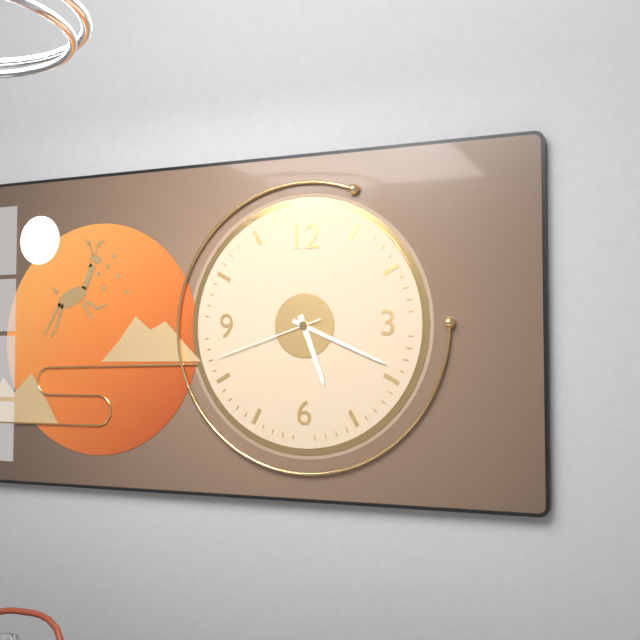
**5:19:42**
